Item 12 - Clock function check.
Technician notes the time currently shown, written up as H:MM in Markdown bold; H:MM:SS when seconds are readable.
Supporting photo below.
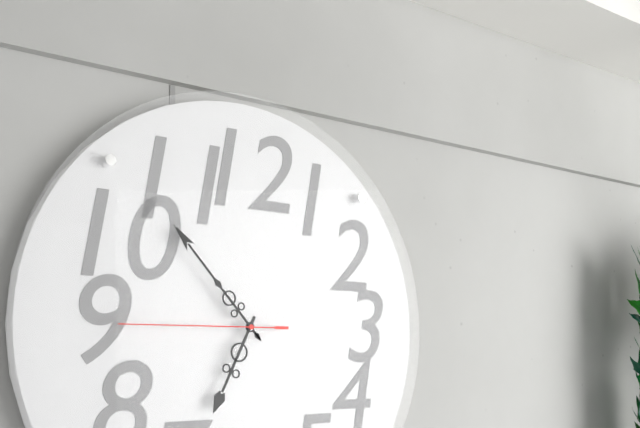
**6:53:45**
